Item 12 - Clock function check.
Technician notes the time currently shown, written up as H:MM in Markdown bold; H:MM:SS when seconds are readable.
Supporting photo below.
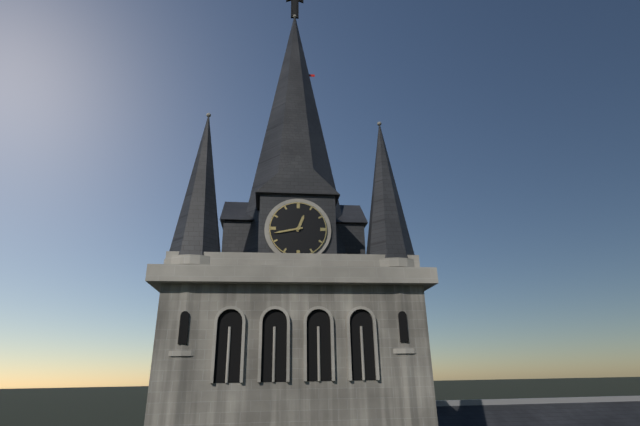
**12:43**
